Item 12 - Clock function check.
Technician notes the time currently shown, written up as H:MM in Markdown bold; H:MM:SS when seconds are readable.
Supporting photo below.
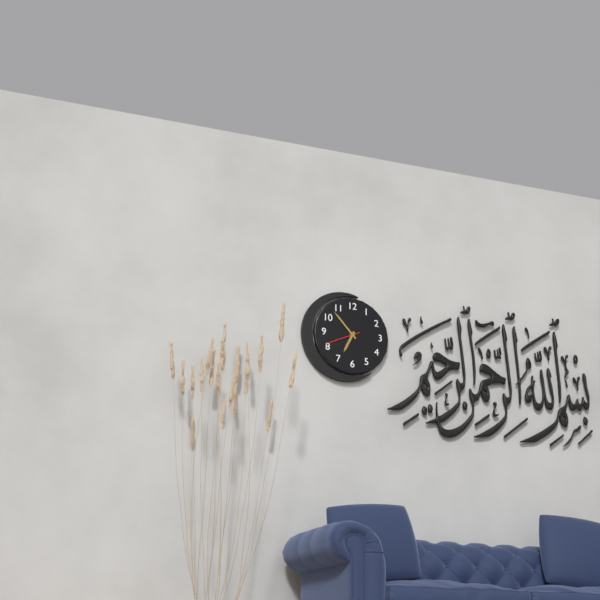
**6:53**
